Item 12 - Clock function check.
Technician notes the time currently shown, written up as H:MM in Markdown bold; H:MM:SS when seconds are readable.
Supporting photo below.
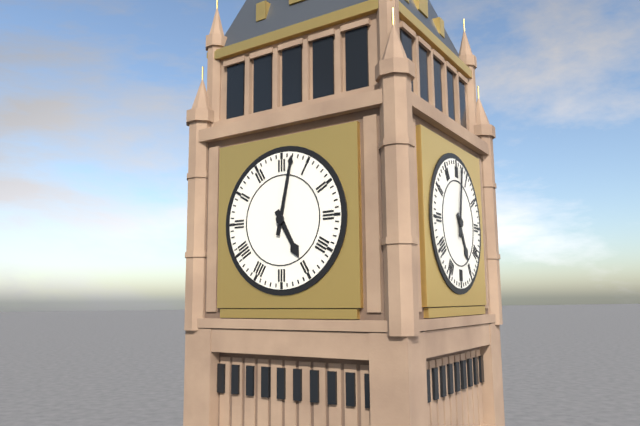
**5:02**
